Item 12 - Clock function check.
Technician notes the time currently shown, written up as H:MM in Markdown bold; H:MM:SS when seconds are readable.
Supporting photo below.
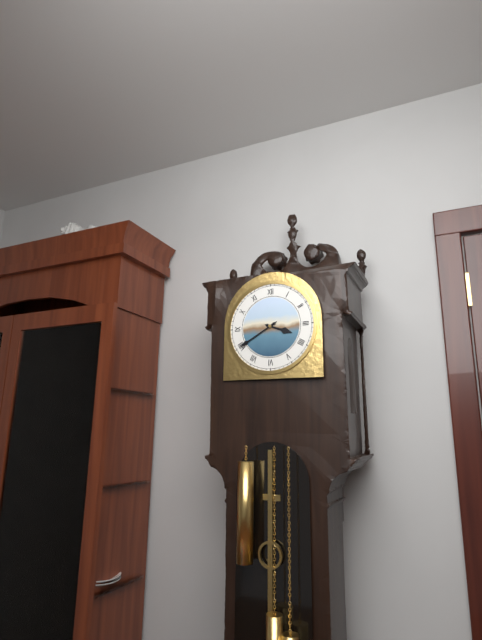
**3:40**
